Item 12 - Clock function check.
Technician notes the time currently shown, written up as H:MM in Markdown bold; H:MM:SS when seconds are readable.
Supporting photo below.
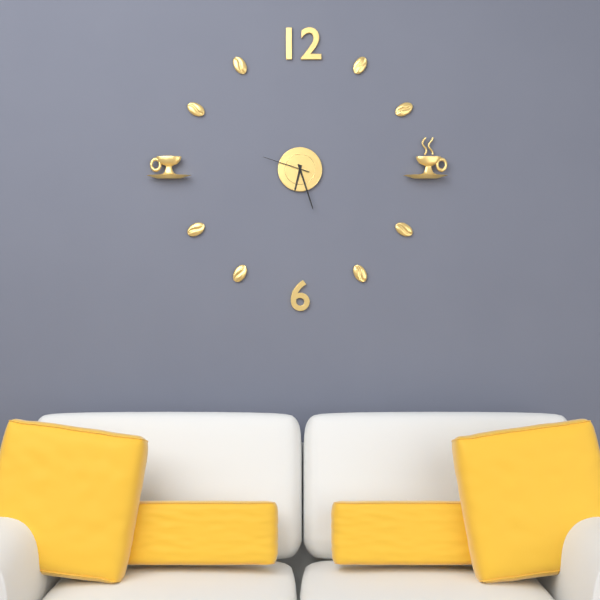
**6:27**
